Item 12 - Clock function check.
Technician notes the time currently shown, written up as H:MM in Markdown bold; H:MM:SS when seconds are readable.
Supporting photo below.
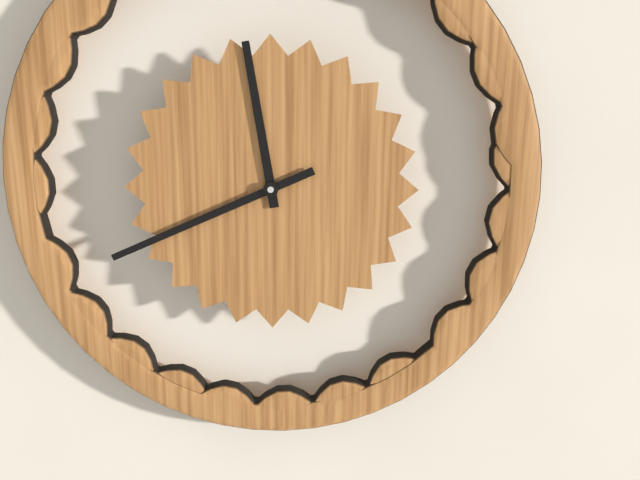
**11:41**
